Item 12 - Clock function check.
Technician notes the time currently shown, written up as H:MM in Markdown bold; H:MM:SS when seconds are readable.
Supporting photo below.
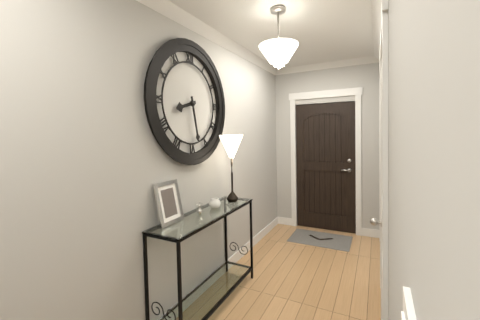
**8:28**
